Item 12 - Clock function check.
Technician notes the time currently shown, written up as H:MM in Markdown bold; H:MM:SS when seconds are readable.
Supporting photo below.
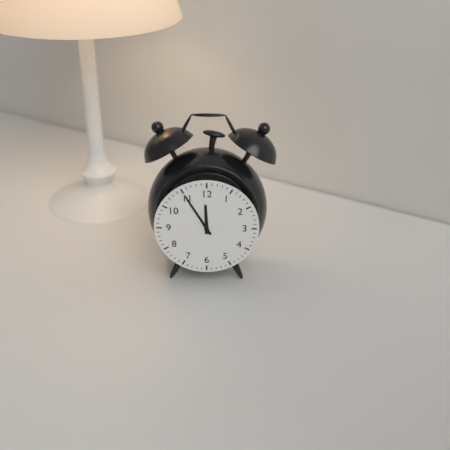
**11:55**
